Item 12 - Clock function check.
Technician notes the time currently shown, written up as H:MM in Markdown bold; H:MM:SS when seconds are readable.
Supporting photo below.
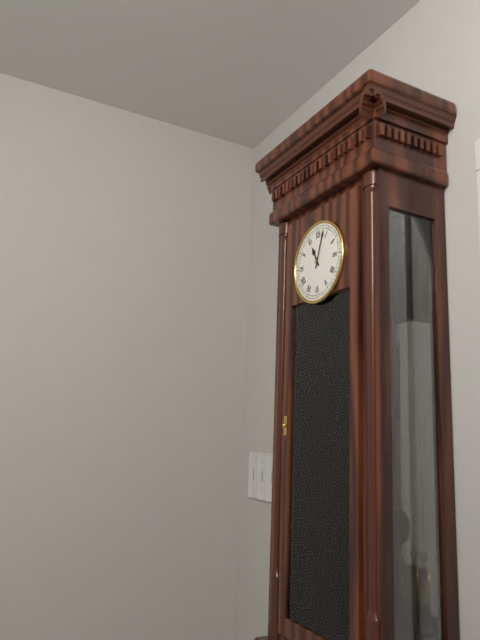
**11:03**
